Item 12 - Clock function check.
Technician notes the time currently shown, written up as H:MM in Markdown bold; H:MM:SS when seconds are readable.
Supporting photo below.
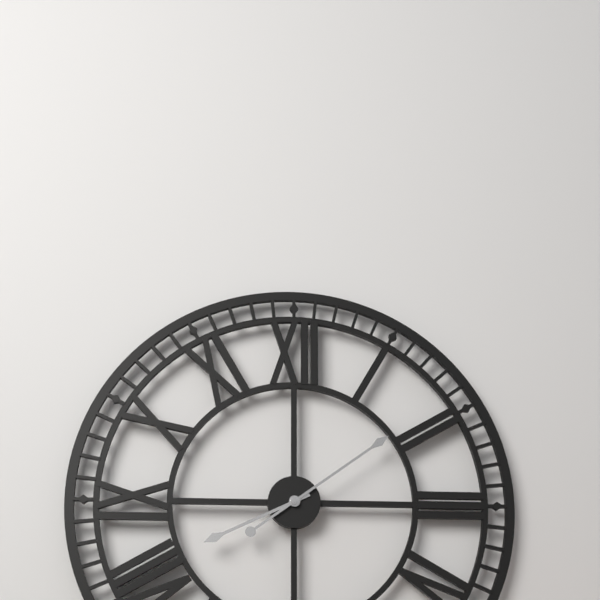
**8:09**
